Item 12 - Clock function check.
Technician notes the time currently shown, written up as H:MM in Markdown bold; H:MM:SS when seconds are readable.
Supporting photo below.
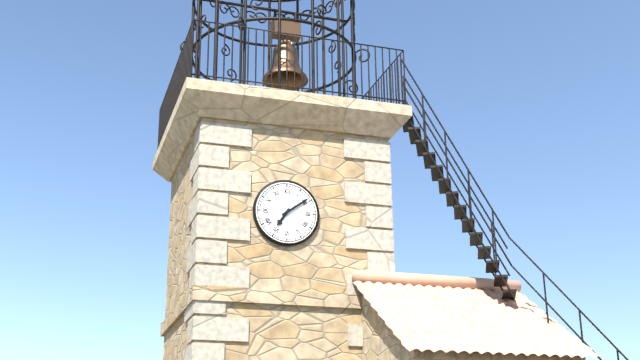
**7:09**
